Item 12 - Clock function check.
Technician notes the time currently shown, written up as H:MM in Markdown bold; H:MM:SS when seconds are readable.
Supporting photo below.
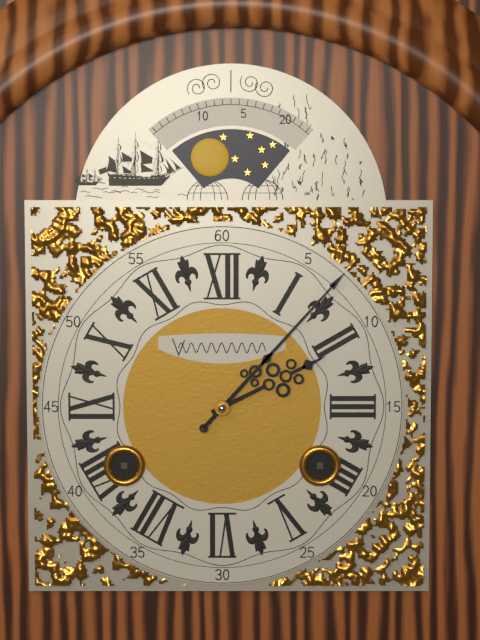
**2:07**
